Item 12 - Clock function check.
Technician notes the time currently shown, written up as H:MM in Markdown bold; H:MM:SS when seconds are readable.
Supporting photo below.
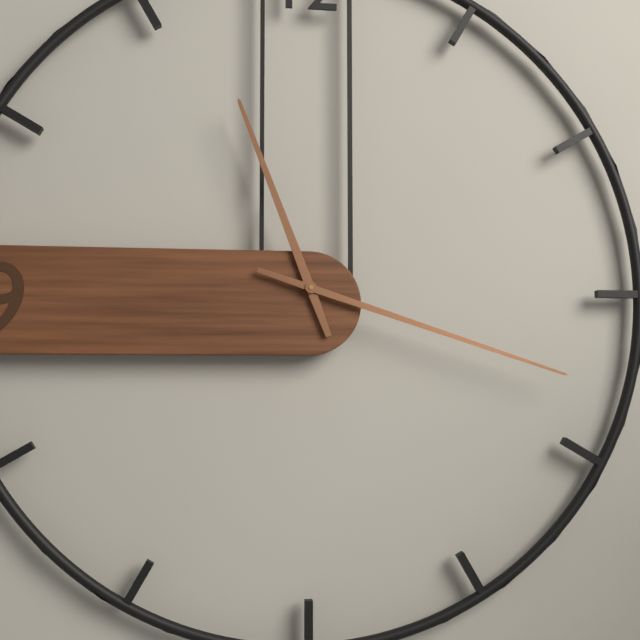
**11:18**
